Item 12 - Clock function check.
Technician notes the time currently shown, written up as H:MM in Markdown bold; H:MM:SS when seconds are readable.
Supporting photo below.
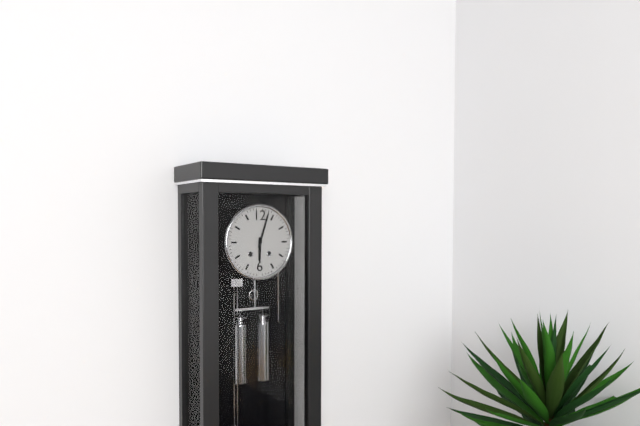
**6:03**
